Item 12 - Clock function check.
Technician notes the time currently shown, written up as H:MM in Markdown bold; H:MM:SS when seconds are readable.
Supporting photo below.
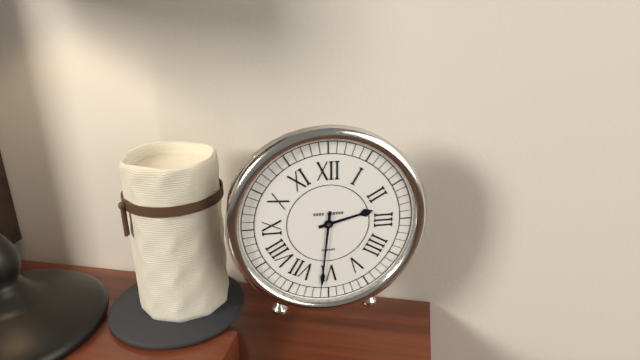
**2:31**
